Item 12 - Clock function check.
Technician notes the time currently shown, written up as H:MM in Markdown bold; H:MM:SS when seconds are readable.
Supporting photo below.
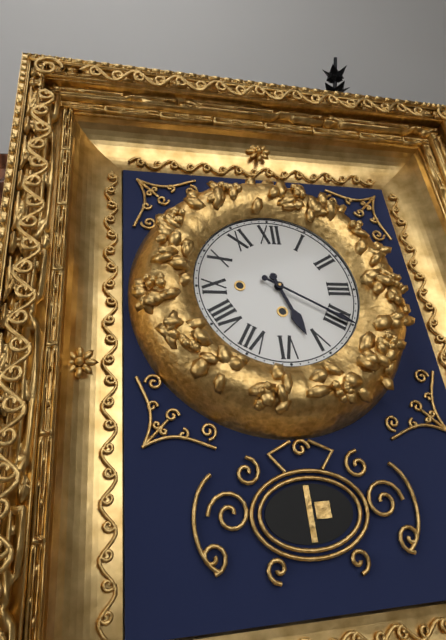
**5:20**
